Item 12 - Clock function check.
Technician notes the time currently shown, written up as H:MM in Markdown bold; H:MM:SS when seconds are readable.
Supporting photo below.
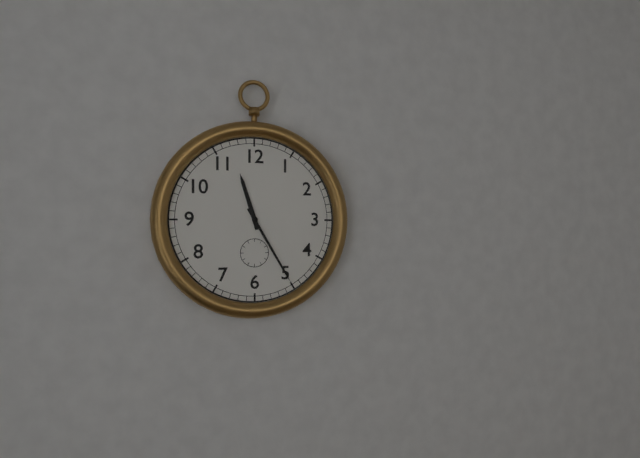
**11:25**
